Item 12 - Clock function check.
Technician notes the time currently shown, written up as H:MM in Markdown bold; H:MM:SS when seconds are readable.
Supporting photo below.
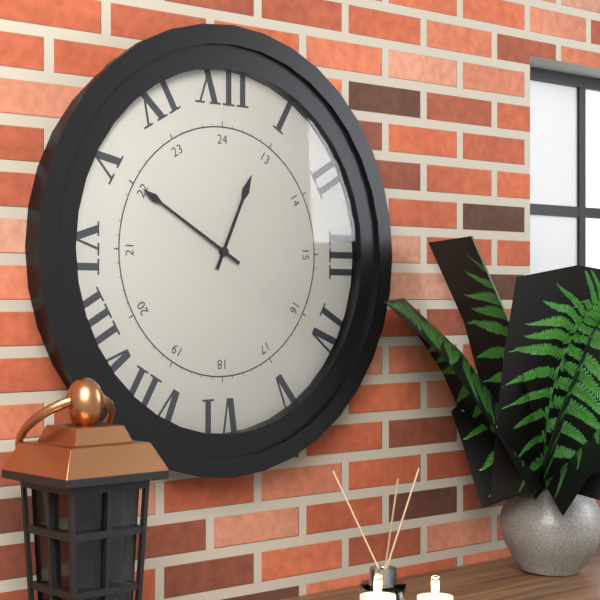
**12:50**
